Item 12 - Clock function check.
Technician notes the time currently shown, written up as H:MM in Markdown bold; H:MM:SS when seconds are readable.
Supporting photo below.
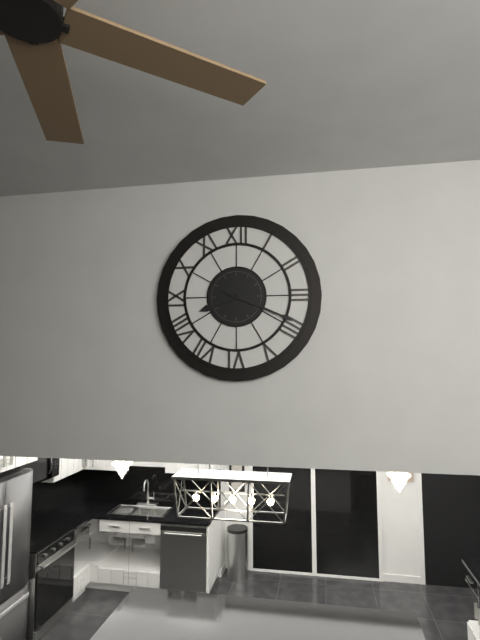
**8:19**
